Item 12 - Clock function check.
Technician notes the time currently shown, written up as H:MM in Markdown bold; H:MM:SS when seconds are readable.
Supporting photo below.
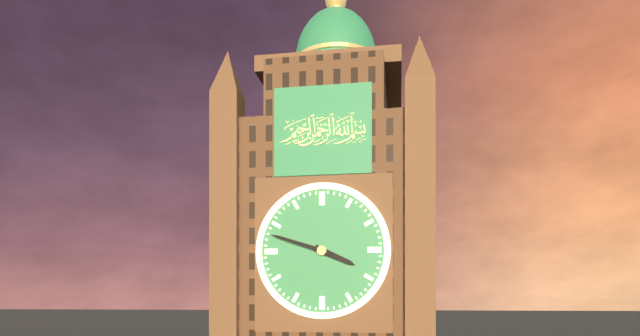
**3:48**
